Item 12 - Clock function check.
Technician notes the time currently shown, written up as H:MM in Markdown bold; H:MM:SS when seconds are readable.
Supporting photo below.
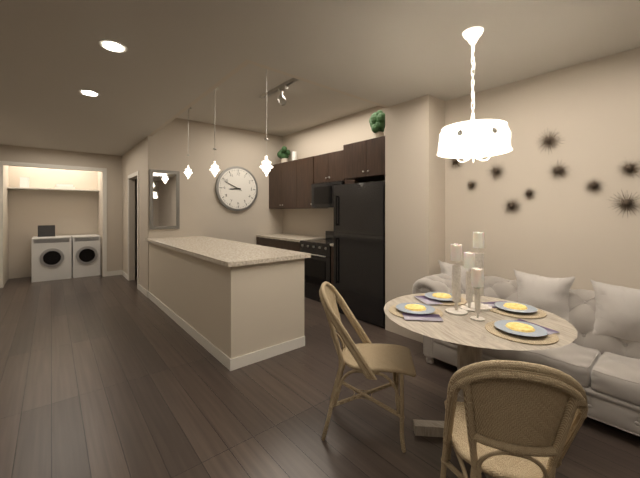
**8:49**
